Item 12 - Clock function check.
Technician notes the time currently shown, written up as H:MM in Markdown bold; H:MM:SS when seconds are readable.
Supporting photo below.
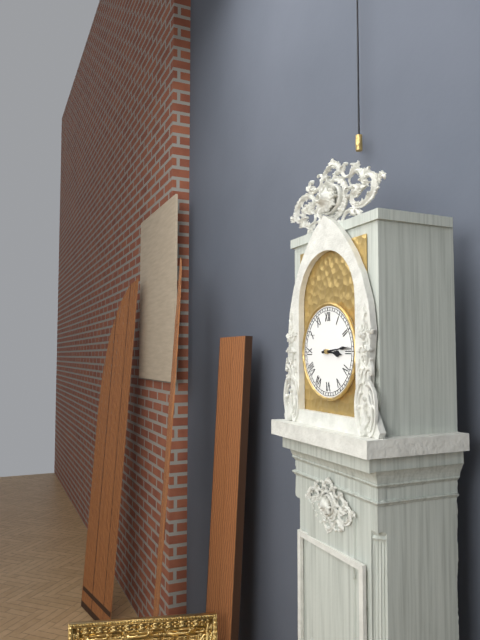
**3:14**
